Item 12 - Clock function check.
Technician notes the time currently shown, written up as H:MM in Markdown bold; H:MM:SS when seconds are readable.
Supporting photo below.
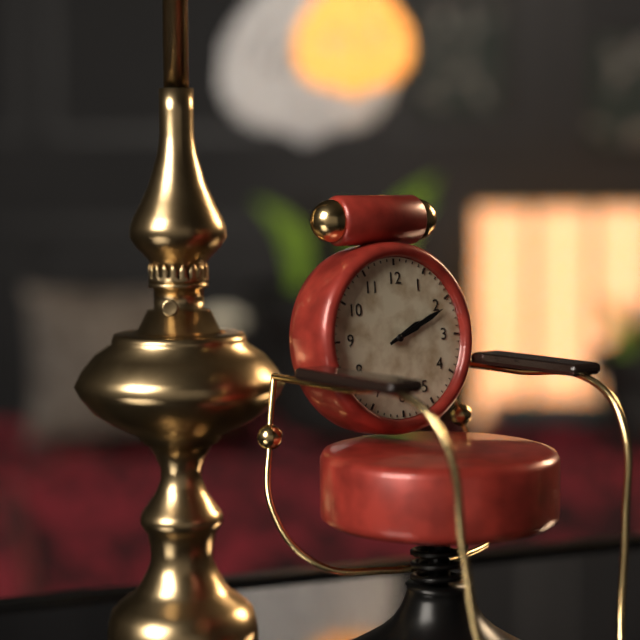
**2:11**
